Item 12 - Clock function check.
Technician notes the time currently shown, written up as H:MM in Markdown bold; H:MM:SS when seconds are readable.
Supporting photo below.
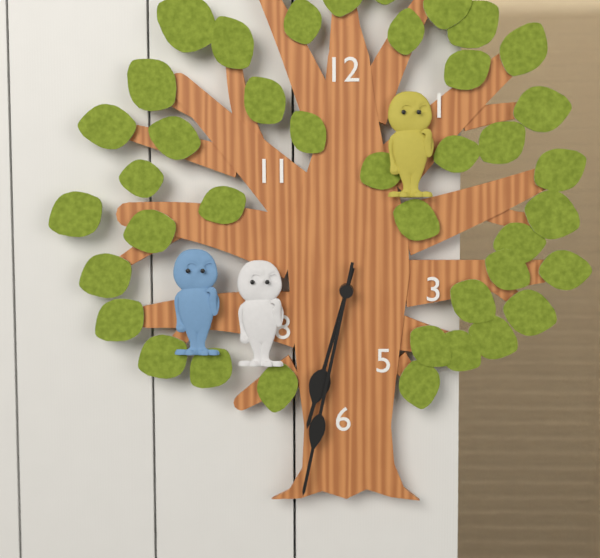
**6:32**
